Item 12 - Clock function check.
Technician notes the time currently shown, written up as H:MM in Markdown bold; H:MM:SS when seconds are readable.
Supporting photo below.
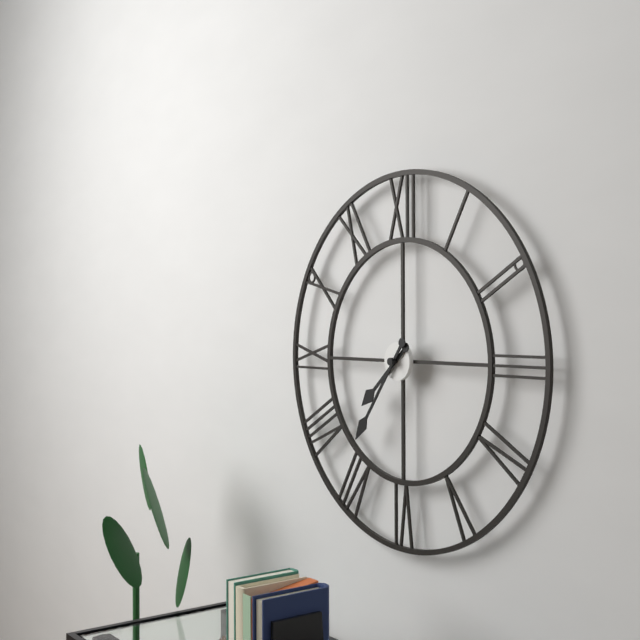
**7:36**
